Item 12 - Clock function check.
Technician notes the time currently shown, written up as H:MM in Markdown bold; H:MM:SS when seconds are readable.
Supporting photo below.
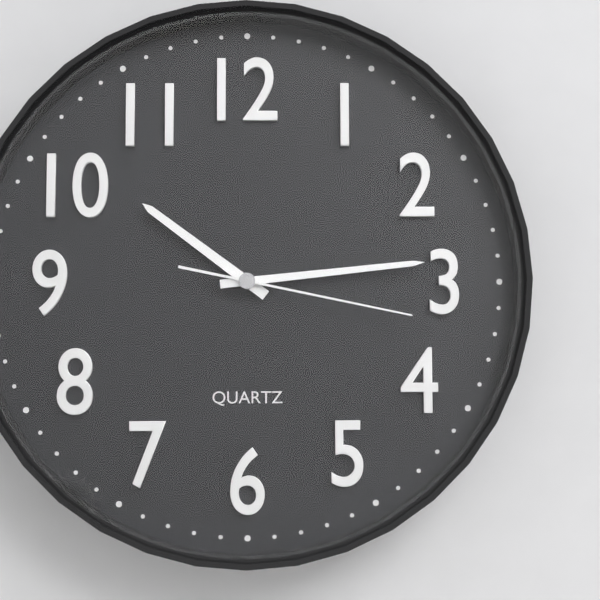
**10:14:17**
